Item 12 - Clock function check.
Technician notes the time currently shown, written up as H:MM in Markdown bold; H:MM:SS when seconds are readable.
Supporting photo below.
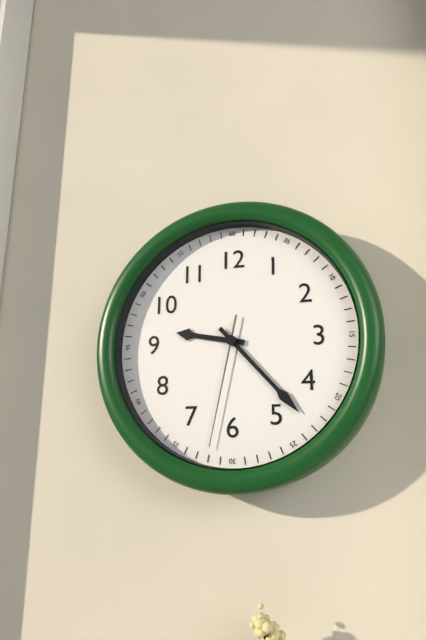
**9:23:32**
